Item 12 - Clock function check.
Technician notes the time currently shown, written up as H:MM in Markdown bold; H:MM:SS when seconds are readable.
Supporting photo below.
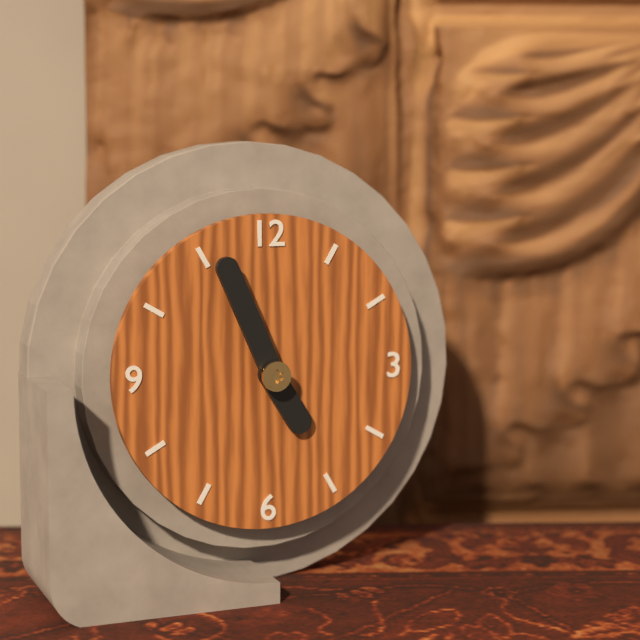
**4:56**
